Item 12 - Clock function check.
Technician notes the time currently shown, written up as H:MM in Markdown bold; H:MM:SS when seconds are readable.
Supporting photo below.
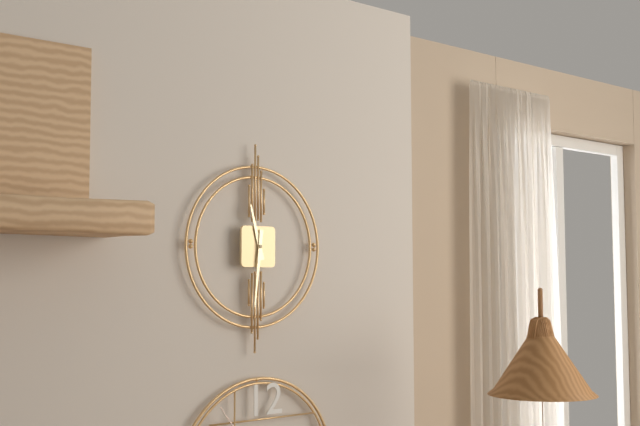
**11:31**
